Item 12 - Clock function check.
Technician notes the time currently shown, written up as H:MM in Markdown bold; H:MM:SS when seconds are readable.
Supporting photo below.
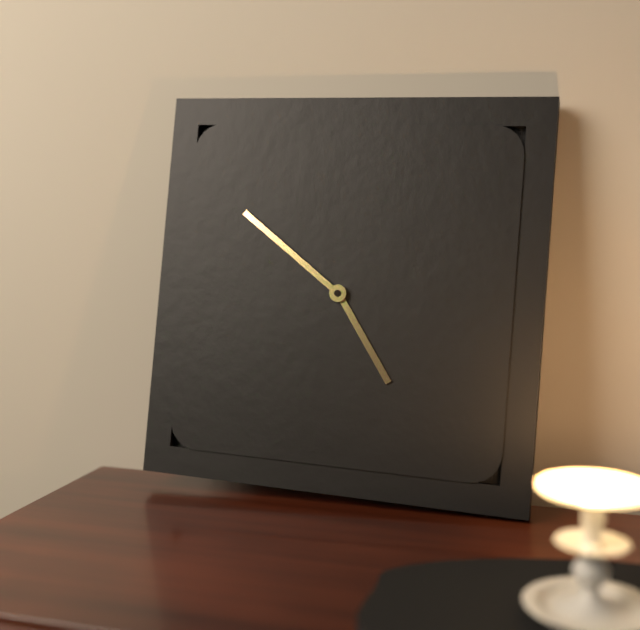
**4:51**
